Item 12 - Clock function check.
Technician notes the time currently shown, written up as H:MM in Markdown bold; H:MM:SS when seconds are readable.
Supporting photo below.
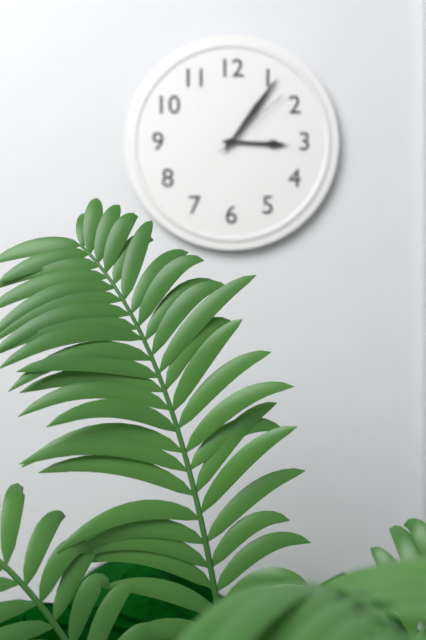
**3:06:08**
